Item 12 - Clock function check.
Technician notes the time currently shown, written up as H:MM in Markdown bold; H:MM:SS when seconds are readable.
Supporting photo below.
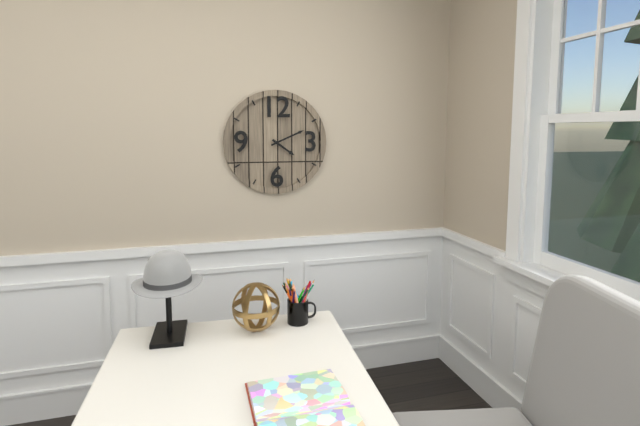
**4:11**
